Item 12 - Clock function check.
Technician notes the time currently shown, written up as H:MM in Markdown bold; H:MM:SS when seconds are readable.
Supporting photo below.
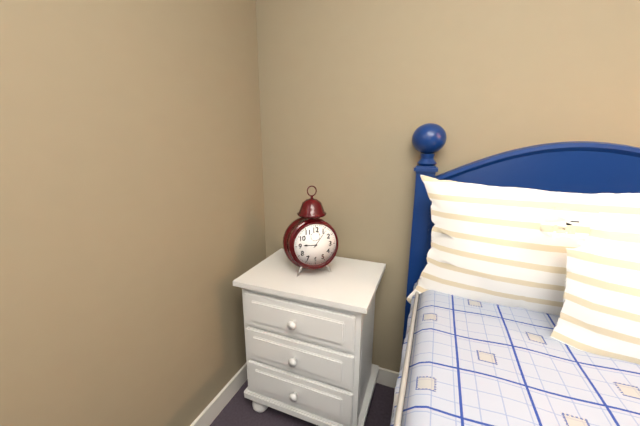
**9:06**
